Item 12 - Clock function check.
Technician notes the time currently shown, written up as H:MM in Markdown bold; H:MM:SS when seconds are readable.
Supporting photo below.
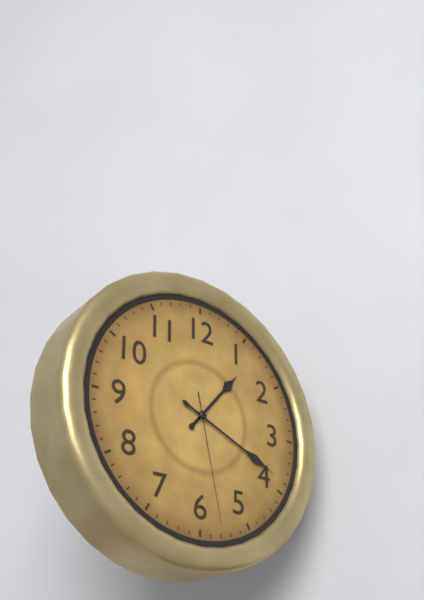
**1:19:28**
